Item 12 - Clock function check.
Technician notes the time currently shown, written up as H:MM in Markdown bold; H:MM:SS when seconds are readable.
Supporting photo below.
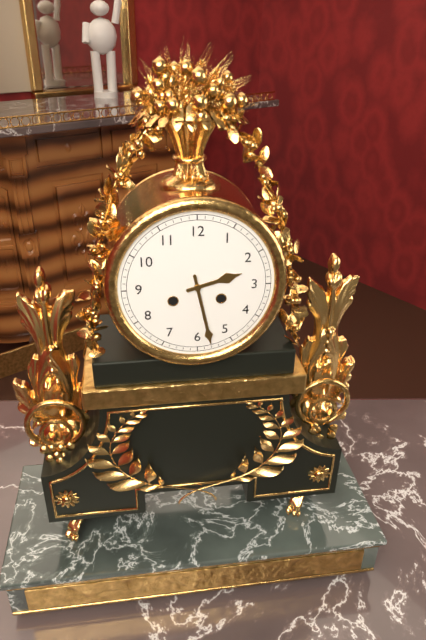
**2:28**
